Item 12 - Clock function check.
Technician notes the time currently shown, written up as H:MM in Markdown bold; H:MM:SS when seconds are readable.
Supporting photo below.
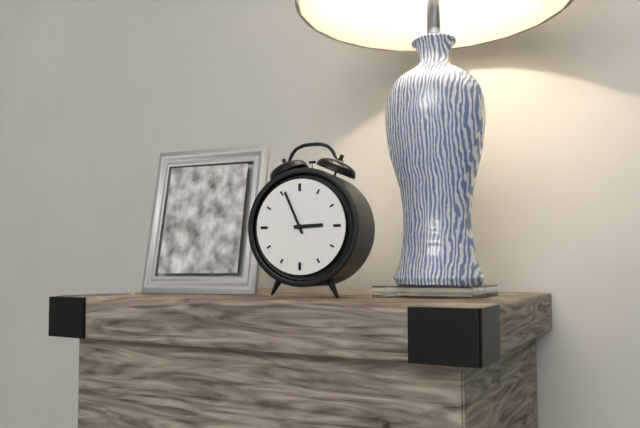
**2:56**
